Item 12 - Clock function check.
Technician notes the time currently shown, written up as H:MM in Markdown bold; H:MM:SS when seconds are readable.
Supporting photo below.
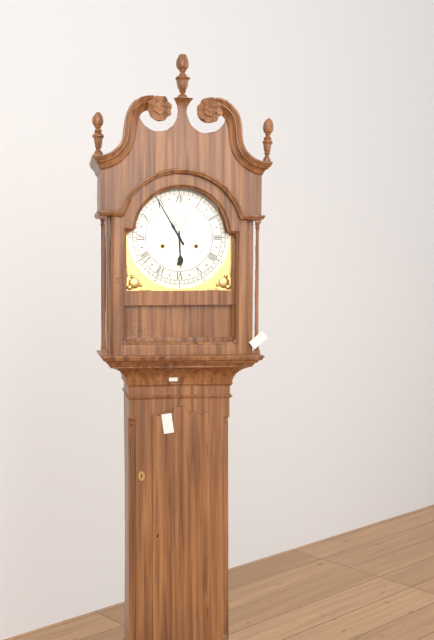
**5:55**
